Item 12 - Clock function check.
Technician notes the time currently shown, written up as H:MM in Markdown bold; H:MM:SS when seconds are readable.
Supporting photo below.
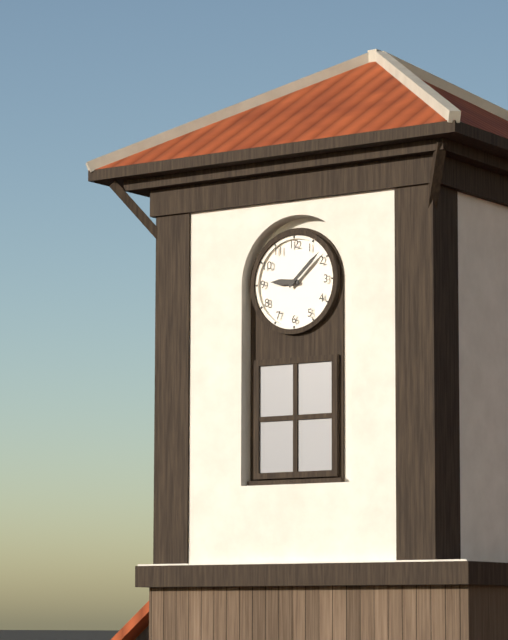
**9:08**
